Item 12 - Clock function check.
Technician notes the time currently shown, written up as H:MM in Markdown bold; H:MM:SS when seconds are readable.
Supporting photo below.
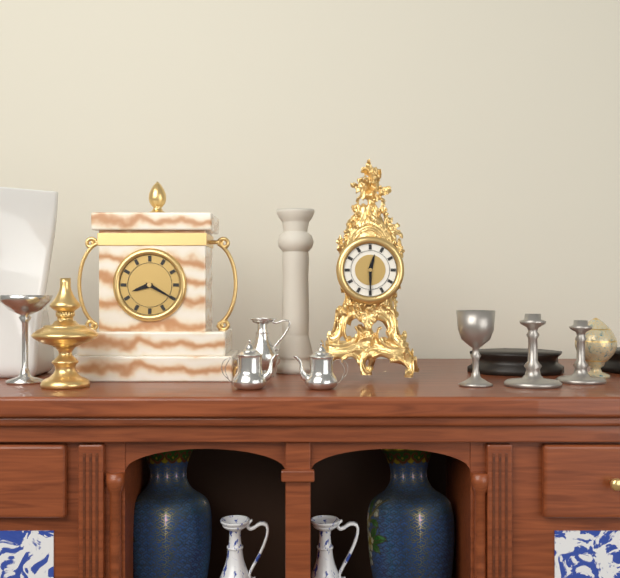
**12:30**
